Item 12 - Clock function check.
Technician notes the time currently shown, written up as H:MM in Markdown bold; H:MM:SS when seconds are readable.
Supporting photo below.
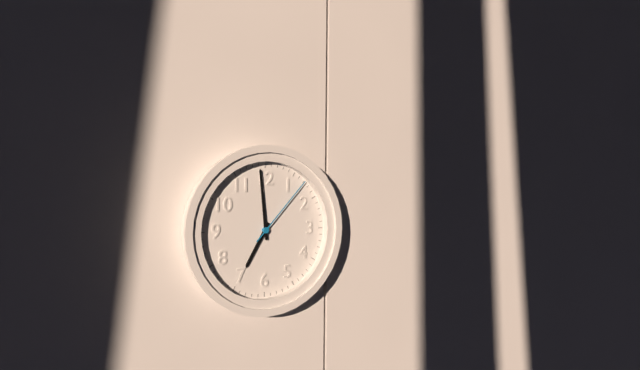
**6:59:07**
